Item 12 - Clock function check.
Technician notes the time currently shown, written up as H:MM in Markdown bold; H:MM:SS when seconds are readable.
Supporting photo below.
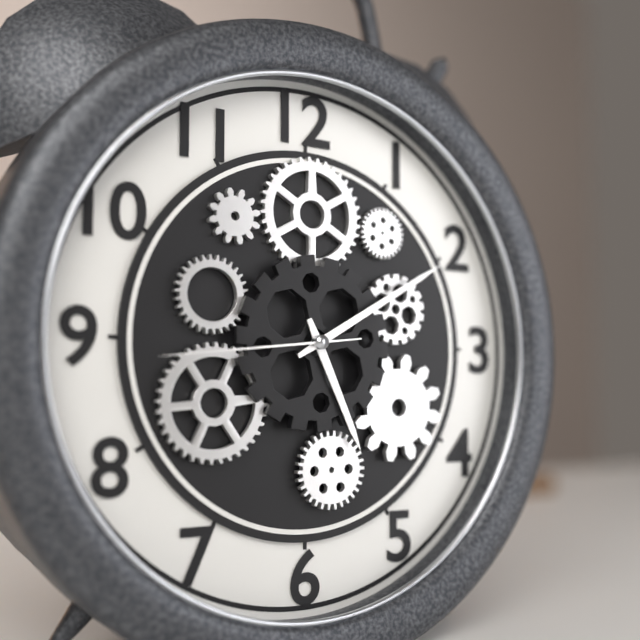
**5:10:44**
